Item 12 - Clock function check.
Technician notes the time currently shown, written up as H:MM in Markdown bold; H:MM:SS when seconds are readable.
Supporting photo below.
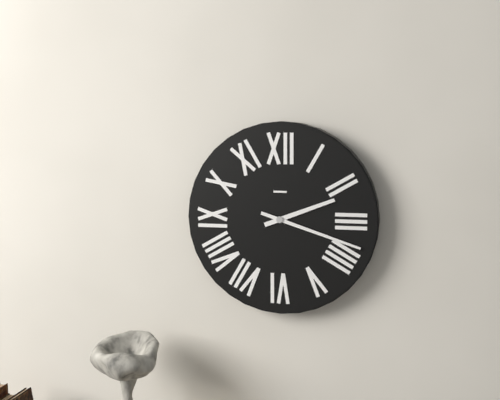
**2:18**
